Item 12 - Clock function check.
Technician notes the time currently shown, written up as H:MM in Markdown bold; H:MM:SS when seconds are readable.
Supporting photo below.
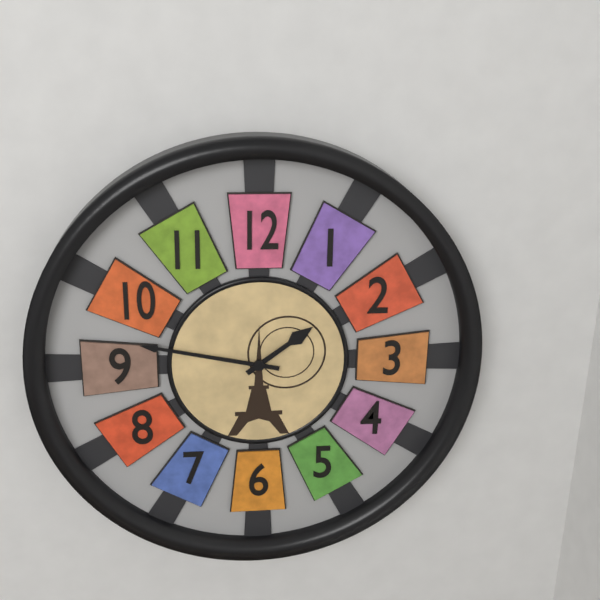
**1:47**
